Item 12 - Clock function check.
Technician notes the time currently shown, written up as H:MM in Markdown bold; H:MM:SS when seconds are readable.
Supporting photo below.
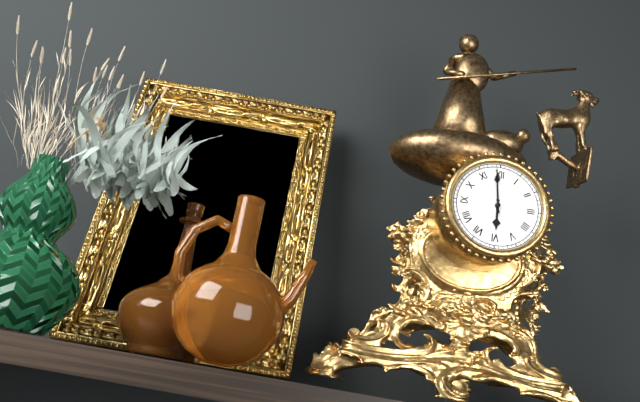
**5:59**
